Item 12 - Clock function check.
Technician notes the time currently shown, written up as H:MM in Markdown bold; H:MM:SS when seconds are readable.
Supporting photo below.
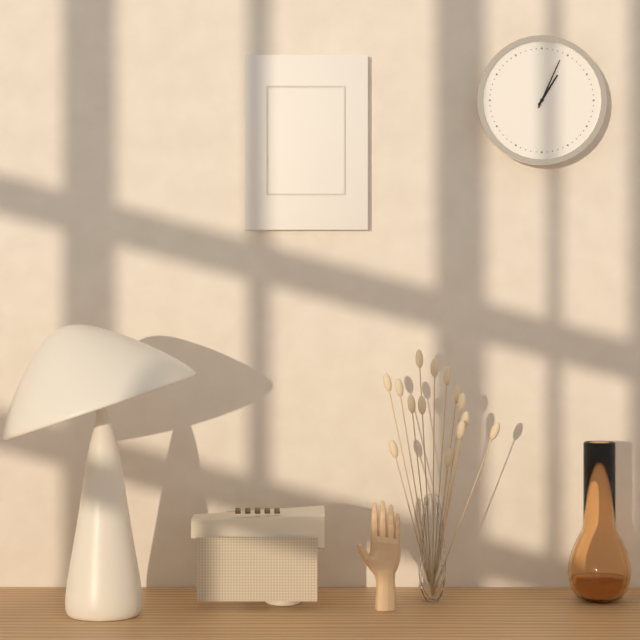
**1:04**
